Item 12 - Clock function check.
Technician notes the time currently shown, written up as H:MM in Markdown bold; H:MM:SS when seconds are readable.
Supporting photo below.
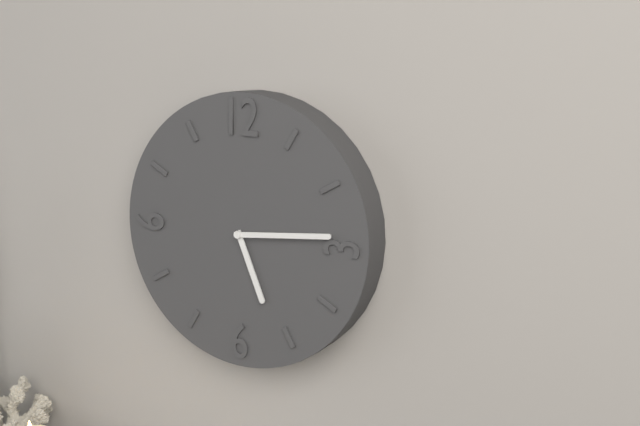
**5:14**
